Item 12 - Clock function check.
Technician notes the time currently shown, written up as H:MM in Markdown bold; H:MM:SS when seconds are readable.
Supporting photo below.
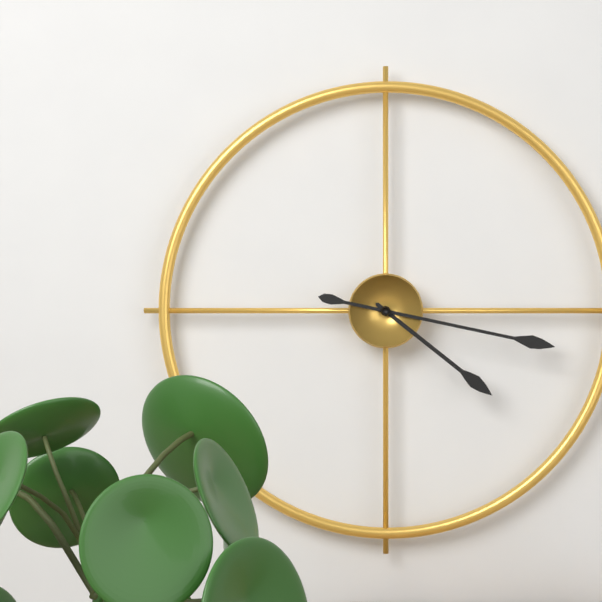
**4:17**
